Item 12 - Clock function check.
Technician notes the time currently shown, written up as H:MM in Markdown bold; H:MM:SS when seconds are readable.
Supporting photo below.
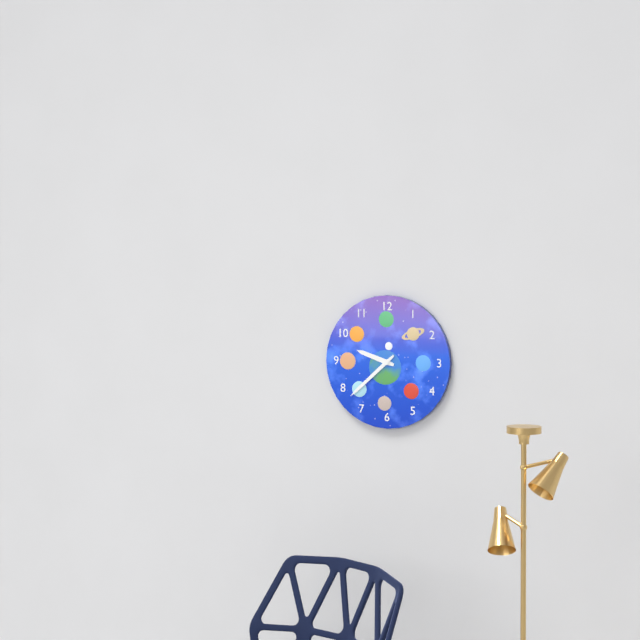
**9:38**
